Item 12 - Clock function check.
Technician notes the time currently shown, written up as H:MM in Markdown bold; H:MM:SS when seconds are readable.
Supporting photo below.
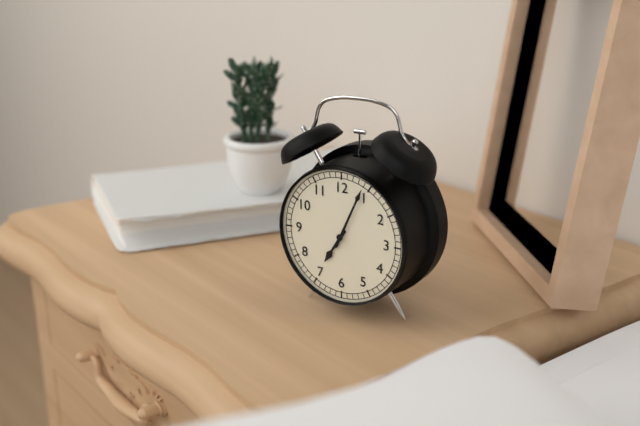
**7:04**
